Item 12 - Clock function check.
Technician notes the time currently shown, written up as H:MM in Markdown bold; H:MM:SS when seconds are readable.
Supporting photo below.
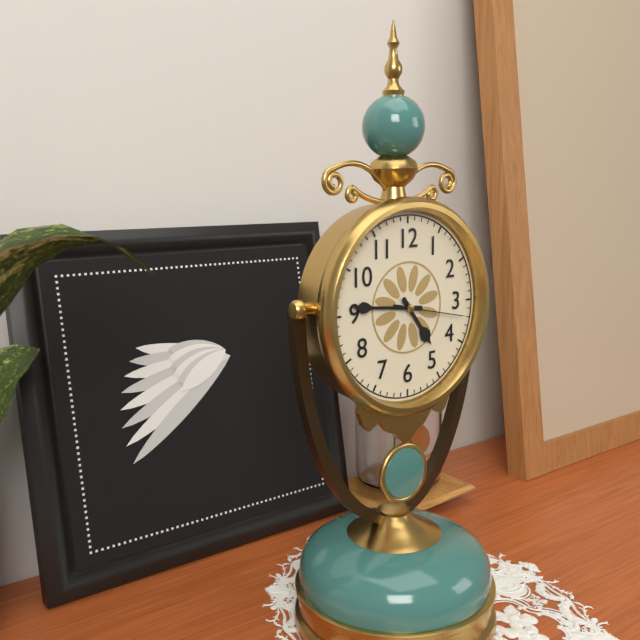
**4:46:17**
